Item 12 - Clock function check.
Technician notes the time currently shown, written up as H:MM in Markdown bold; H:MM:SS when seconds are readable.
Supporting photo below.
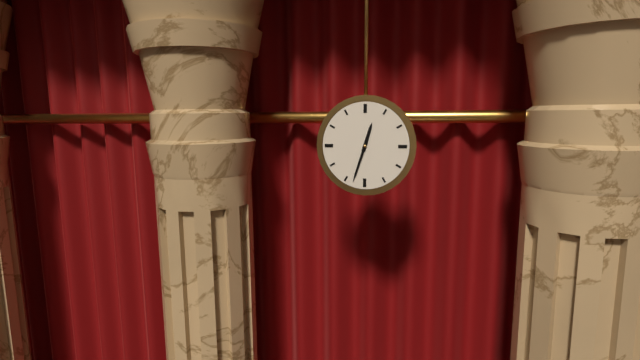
**12:33**
